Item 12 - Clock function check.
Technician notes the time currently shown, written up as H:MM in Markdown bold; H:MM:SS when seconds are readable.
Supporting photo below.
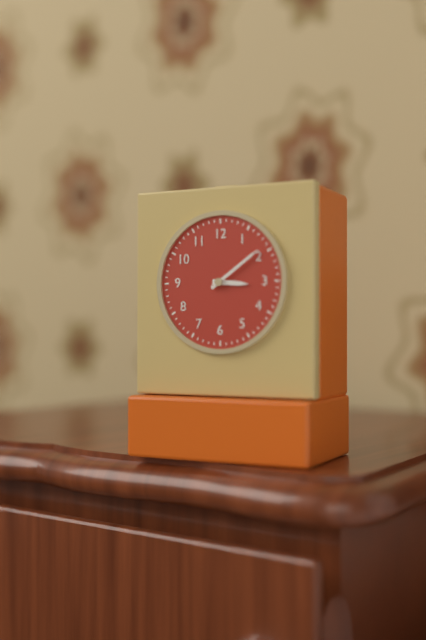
**3:09**
